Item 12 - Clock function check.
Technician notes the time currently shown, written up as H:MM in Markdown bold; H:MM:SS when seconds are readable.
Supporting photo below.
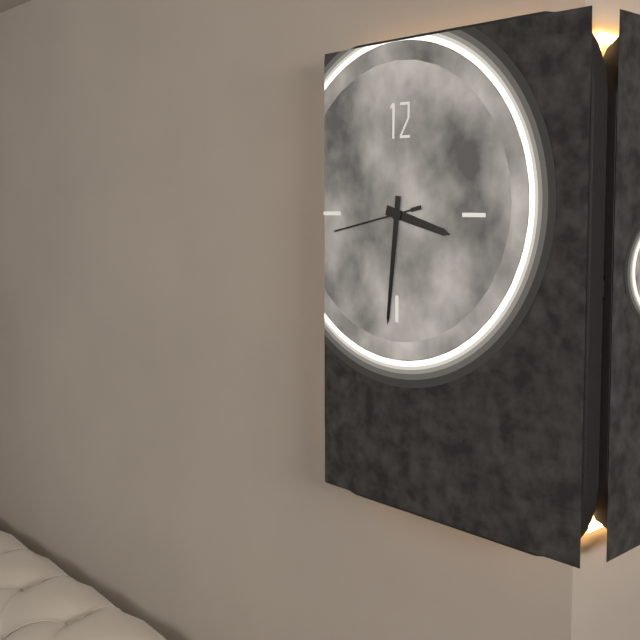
**3:31:43**
